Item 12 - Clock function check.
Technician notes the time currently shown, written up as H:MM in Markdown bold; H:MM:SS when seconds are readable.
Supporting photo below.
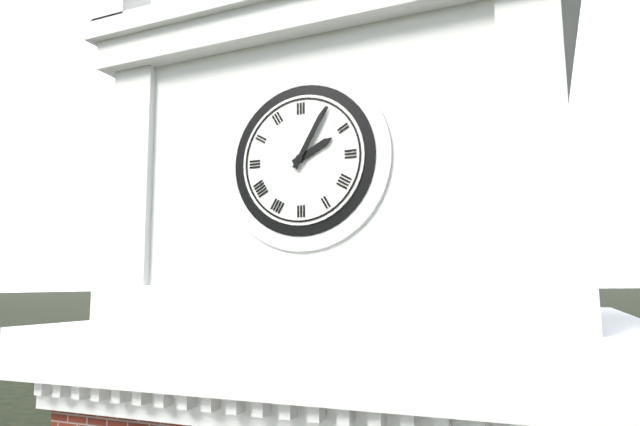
**2:05**
